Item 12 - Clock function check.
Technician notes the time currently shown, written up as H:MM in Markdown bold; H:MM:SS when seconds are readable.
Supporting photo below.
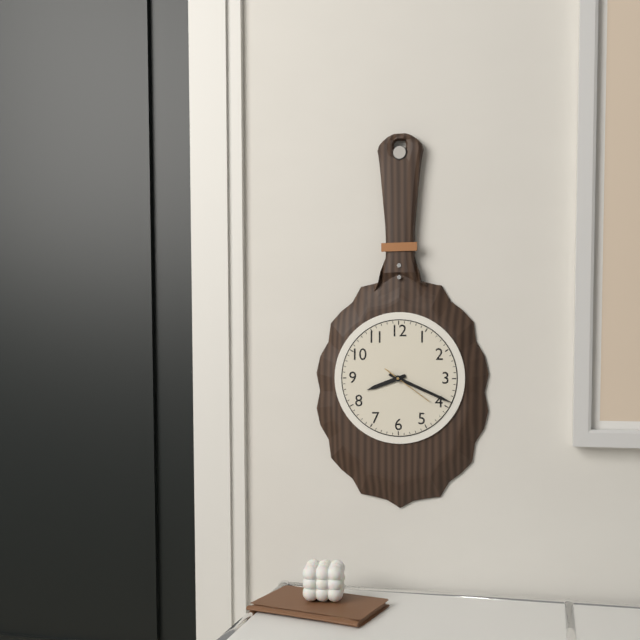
**8:19**
